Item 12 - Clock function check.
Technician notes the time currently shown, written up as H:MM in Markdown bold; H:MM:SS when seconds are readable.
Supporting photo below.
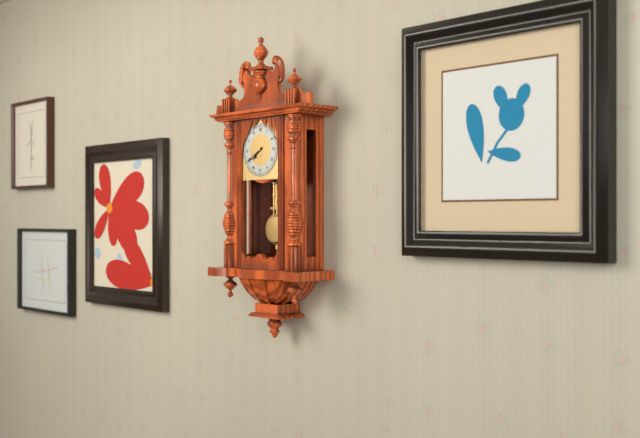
**7:40**
